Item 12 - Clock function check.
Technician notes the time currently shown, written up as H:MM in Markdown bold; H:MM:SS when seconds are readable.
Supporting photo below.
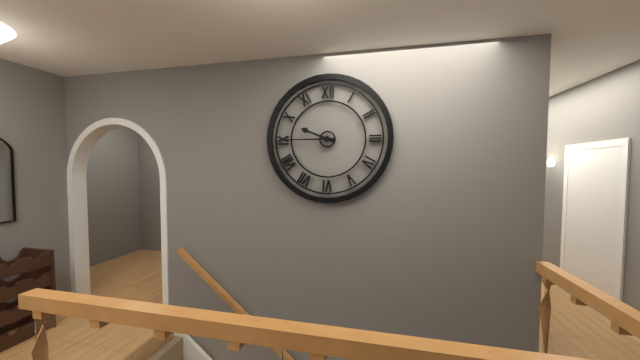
**9:45**
